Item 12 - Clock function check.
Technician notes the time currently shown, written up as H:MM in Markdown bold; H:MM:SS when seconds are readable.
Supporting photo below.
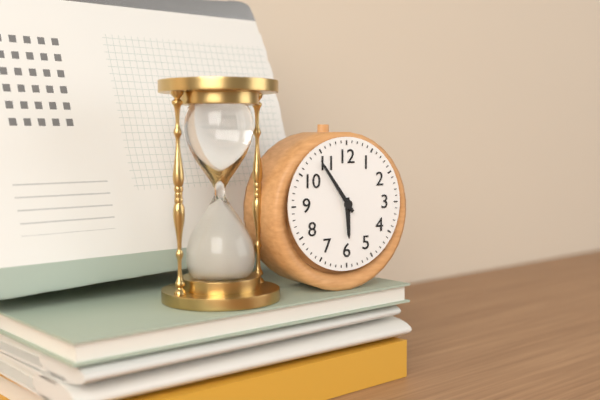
**5:54**
